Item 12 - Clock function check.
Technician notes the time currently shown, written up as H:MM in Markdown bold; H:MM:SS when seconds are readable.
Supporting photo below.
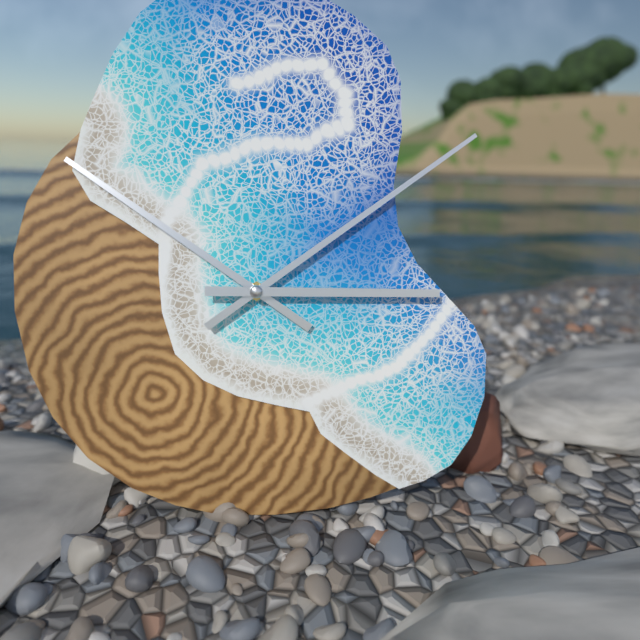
**10:09:15**
